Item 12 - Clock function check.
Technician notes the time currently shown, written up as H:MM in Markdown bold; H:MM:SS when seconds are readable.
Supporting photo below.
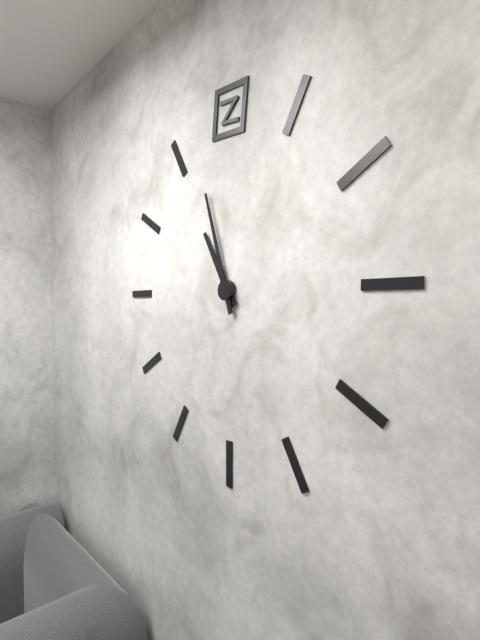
**10:57**
